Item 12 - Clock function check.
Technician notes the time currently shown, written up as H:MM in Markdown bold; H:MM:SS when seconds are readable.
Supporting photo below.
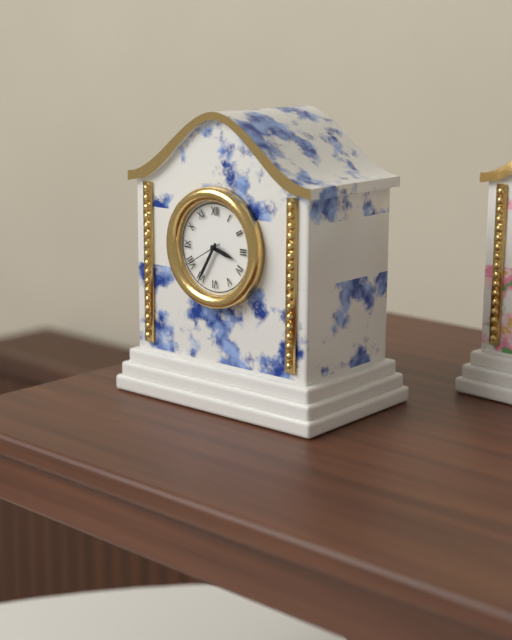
**3:35**
